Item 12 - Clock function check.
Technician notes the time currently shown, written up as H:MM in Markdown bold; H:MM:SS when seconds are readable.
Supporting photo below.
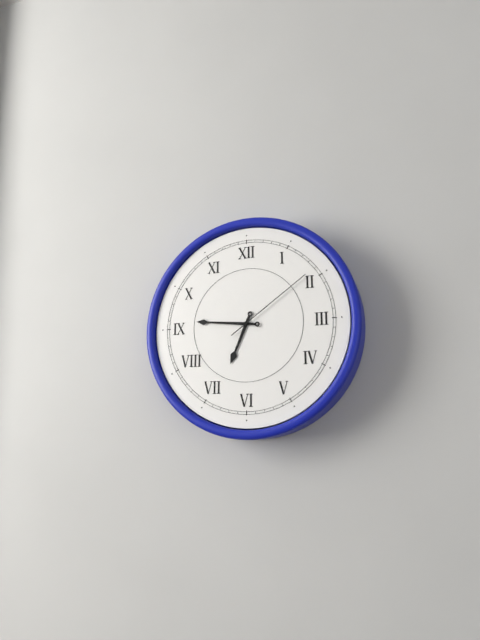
**6:46:09**
